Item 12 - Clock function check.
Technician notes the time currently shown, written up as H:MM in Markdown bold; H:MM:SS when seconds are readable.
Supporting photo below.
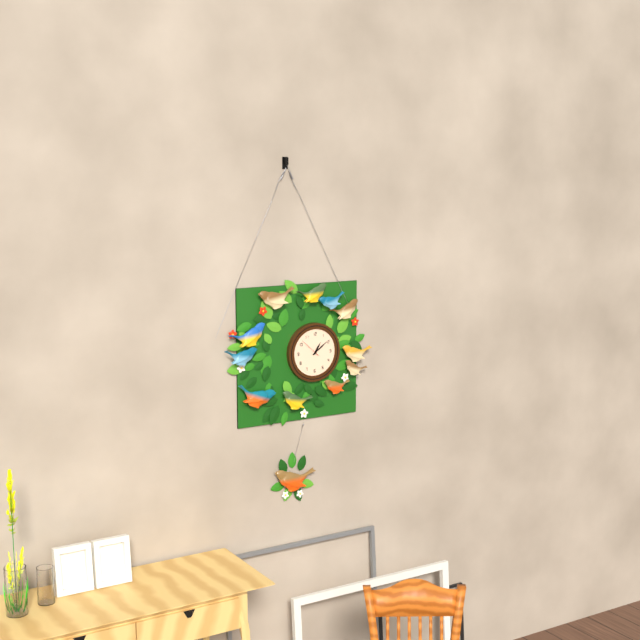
**1:09**
